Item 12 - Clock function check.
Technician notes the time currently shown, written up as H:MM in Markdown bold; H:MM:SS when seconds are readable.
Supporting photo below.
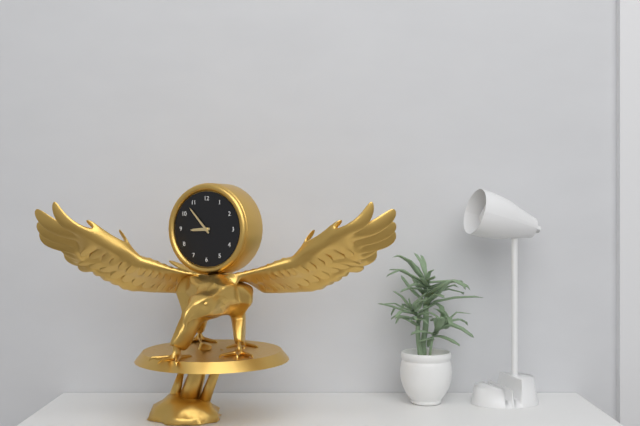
**8:53**
